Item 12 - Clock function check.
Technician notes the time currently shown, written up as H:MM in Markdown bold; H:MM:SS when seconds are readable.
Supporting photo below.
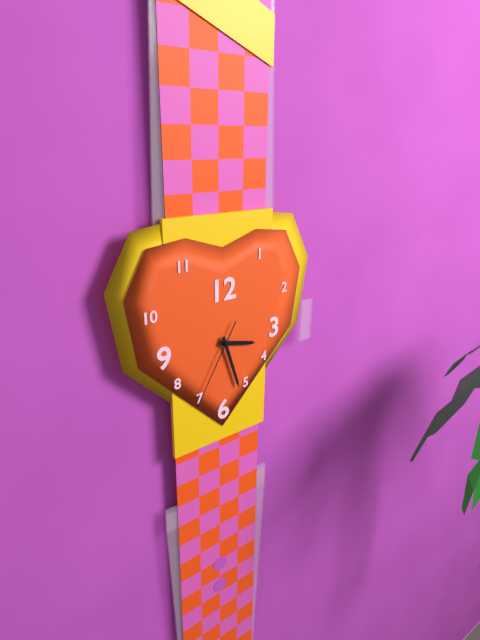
**3:27:35**
